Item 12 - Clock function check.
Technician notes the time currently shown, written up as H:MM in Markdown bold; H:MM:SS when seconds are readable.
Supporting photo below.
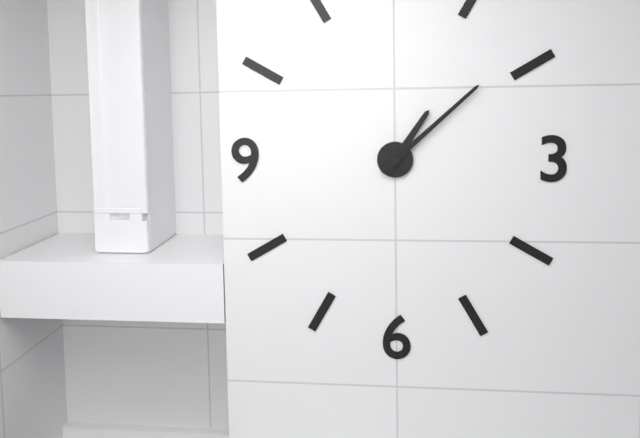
**1:08**
